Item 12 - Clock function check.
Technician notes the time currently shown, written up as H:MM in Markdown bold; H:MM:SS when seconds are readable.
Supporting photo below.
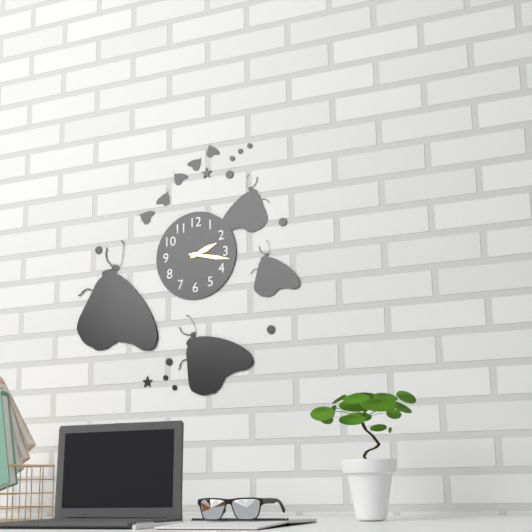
**2:17**
